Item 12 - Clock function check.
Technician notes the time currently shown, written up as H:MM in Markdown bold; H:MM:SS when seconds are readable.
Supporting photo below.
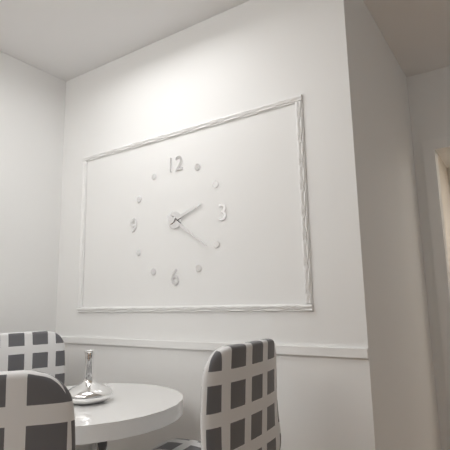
**2:21**
